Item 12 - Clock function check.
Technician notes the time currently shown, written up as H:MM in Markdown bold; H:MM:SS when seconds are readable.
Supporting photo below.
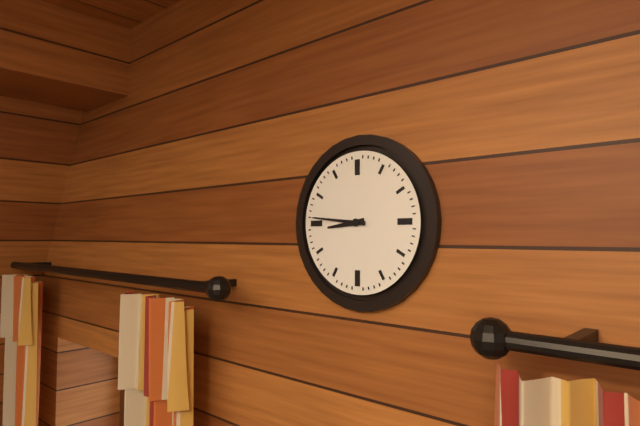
**8:46**
